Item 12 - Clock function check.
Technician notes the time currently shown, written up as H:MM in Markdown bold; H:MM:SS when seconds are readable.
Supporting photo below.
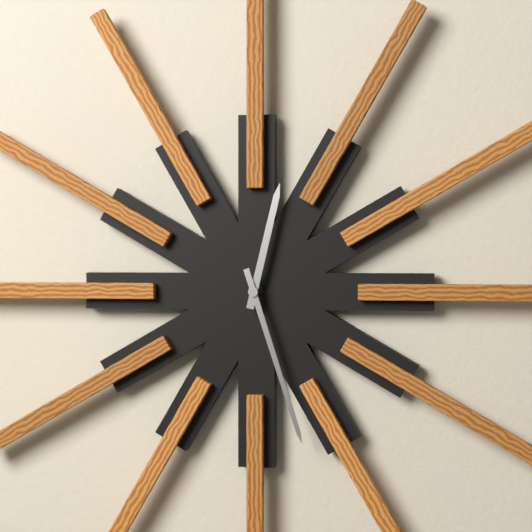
**12:27**
